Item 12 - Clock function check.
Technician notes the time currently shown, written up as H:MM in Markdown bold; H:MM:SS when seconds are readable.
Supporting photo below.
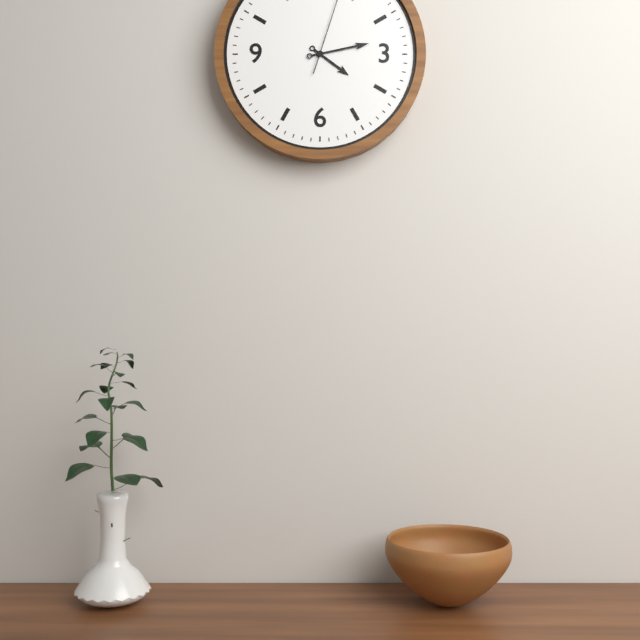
**4:13**
